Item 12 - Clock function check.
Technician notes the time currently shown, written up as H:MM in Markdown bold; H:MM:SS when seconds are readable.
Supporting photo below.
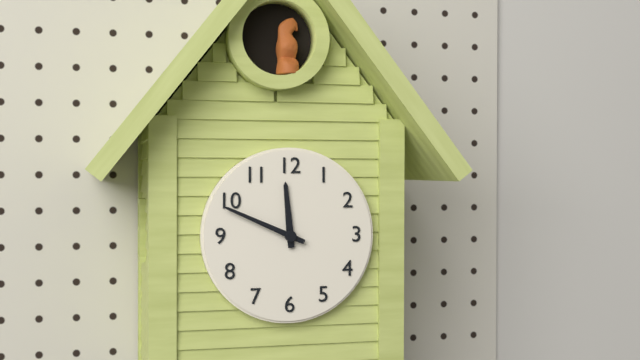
**11:49**
